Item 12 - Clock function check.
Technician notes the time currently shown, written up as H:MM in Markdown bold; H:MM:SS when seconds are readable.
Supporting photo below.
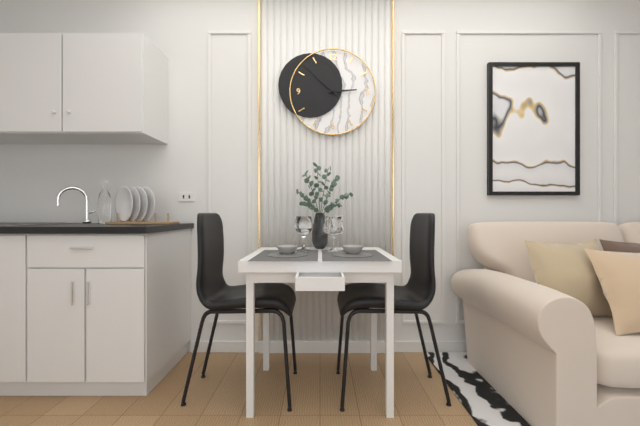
**2:52**
